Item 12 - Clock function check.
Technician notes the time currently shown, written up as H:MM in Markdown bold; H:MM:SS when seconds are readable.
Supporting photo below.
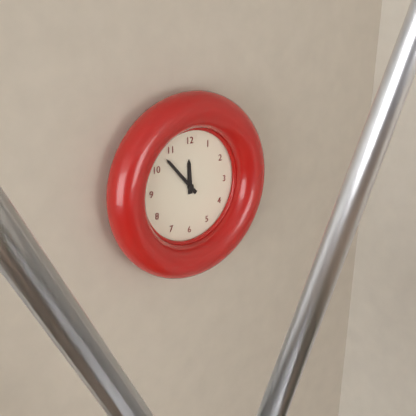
**11:53**
